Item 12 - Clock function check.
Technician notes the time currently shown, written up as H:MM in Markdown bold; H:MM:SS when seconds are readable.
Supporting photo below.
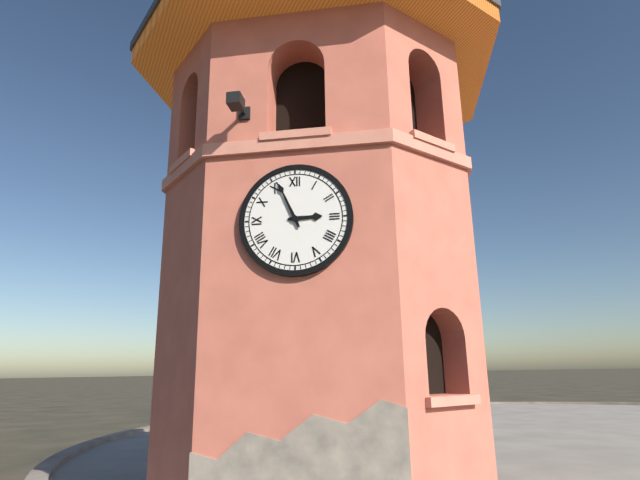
**2:56**
